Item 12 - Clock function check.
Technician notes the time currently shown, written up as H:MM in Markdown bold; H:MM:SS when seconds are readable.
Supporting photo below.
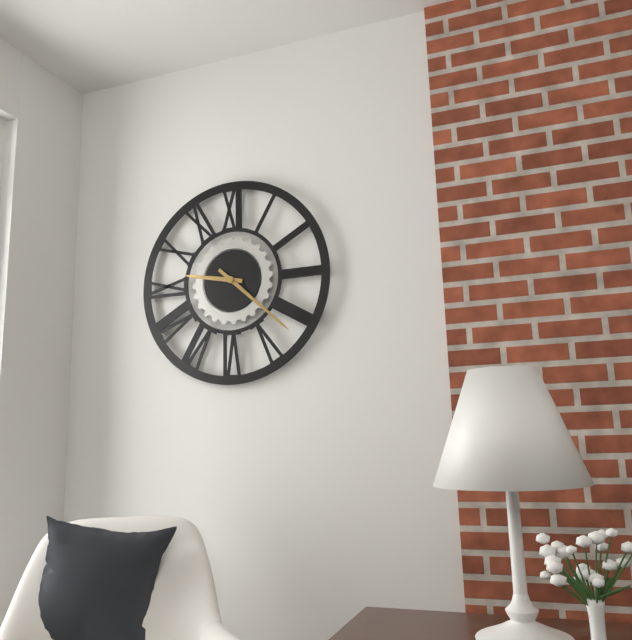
**9:22**
